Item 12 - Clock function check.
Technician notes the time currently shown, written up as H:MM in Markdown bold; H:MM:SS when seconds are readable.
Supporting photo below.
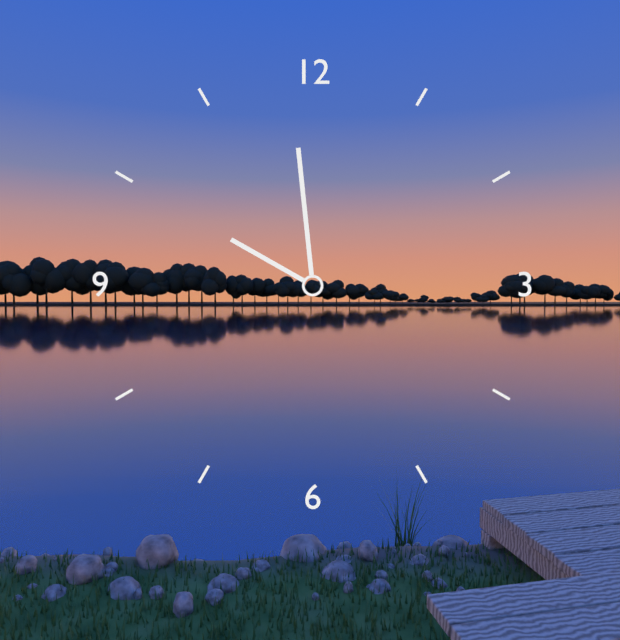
**9:59**
